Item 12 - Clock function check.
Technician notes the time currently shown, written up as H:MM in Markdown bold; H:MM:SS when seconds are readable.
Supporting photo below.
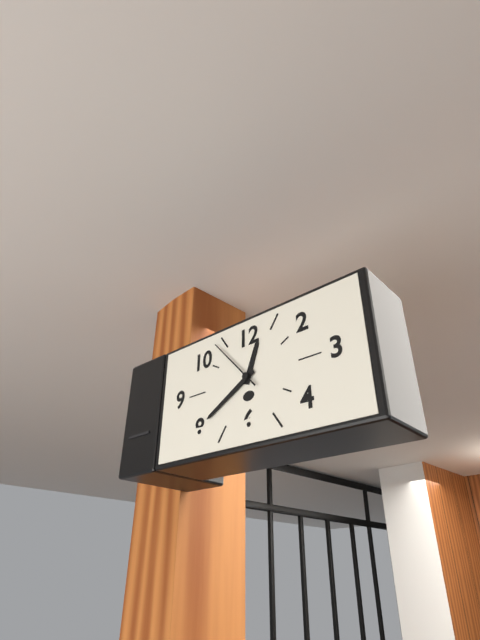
**12:40:53**
